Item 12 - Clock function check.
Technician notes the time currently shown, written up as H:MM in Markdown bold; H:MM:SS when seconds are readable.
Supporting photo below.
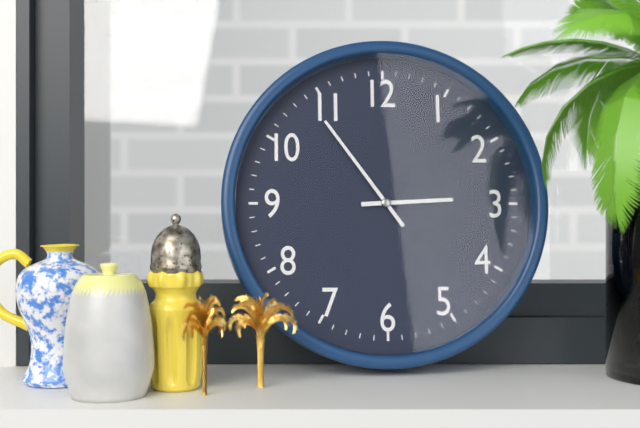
**2:54**
